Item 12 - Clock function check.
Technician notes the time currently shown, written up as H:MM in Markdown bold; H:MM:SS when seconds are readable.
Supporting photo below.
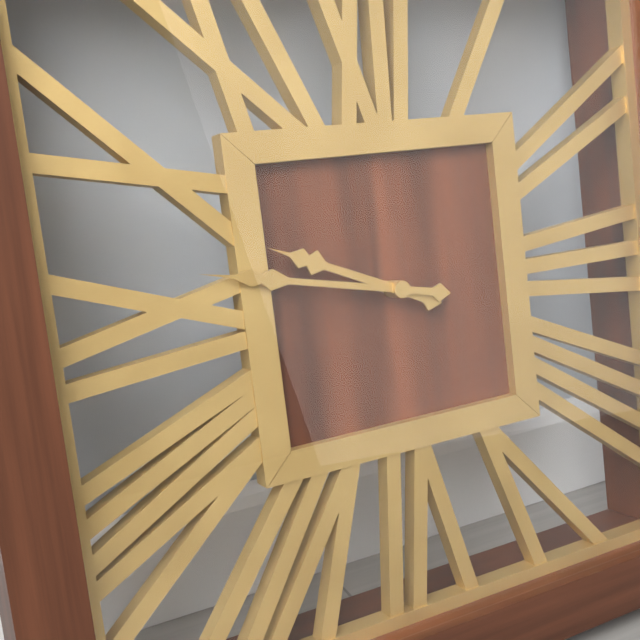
**9:47**
